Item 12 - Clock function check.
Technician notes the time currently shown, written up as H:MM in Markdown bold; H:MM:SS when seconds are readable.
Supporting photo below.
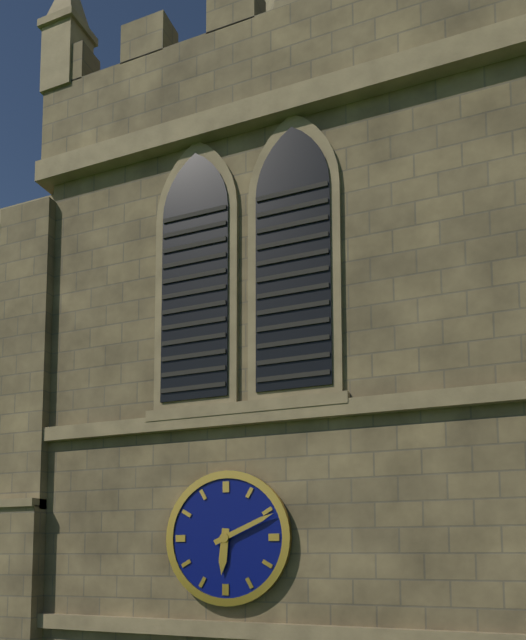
**6:11**
